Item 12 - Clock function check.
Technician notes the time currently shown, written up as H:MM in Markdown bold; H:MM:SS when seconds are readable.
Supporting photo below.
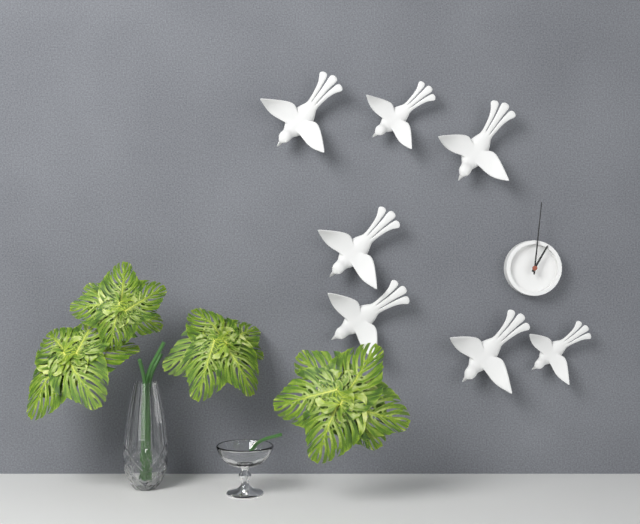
**1:01**
